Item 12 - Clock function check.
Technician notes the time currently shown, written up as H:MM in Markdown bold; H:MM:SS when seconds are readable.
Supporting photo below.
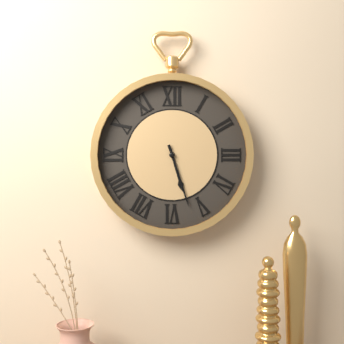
**5:27**
